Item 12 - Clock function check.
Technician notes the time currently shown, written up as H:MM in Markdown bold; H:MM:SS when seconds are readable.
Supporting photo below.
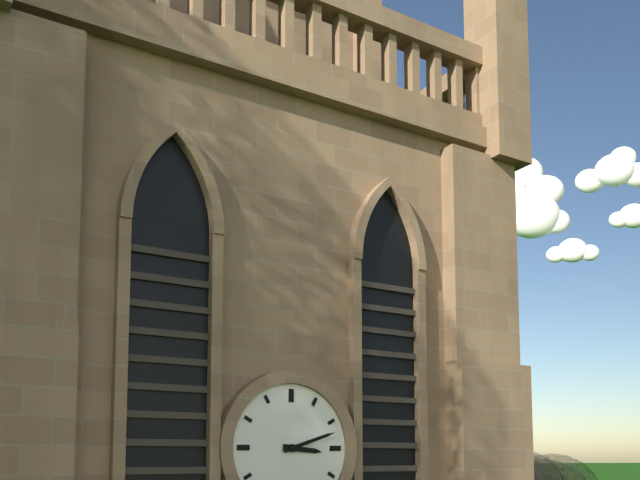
**3:12**
